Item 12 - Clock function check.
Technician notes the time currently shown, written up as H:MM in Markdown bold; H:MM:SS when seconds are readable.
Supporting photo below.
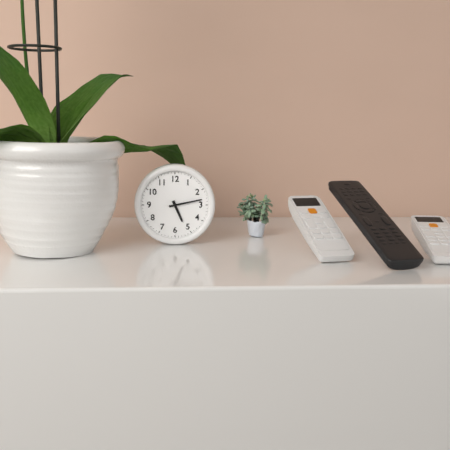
**5:13**
